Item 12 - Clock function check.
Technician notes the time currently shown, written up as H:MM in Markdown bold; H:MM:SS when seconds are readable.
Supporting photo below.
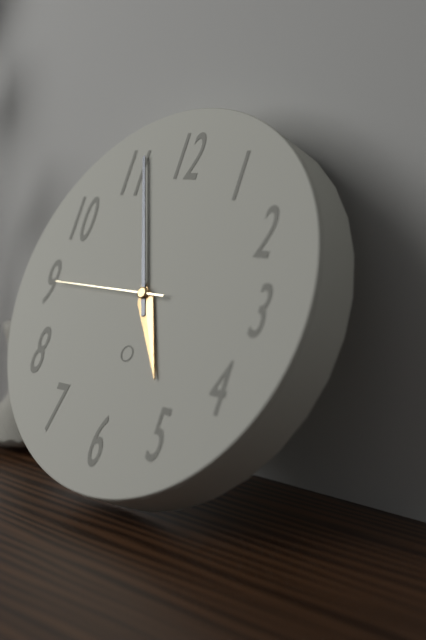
**4:56:45**
